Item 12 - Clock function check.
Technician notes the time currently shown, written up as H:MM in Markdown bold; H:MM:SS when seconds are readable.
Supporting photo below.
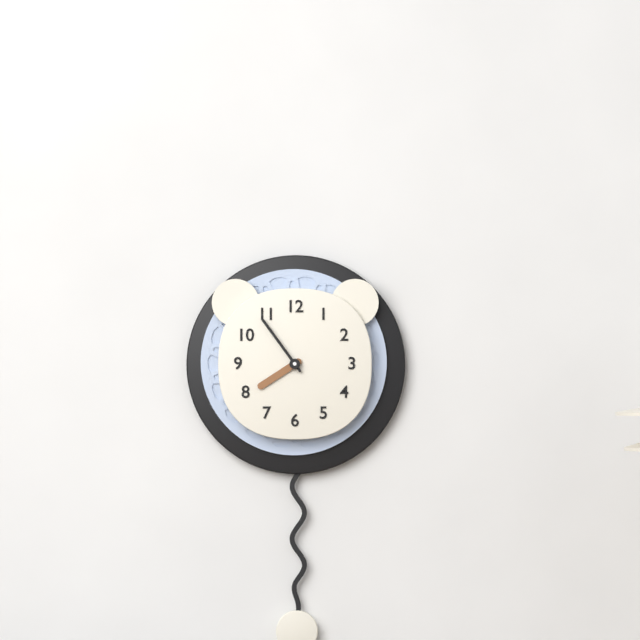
**7:54**
